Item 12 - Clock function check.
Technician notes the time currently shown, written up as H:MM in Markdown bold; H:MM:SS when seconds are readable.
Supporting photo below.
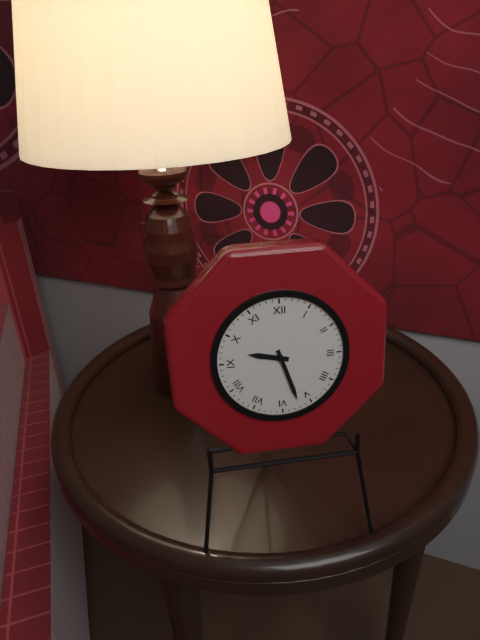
**9:27**
